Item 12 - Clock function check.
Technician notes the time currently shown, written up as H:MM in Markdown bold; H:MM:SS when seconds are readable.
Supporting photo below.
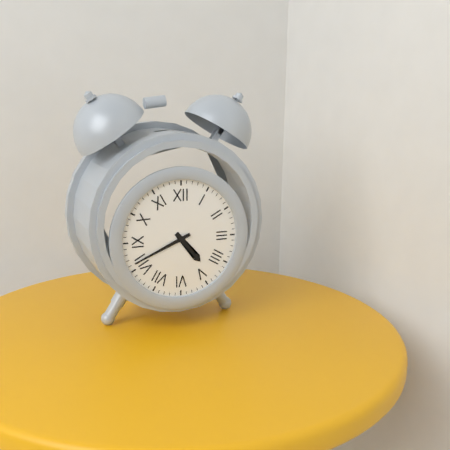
**4:41**
